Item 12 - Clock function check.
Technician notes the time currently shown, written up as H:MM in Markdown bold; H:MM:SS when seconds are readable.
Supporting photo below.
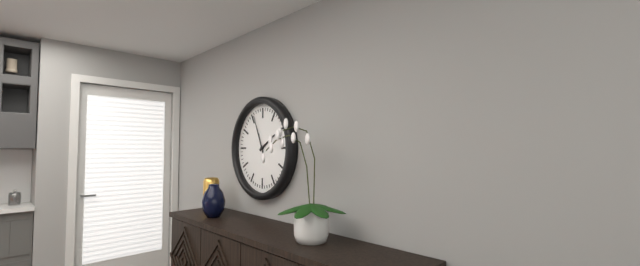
**1:56**
